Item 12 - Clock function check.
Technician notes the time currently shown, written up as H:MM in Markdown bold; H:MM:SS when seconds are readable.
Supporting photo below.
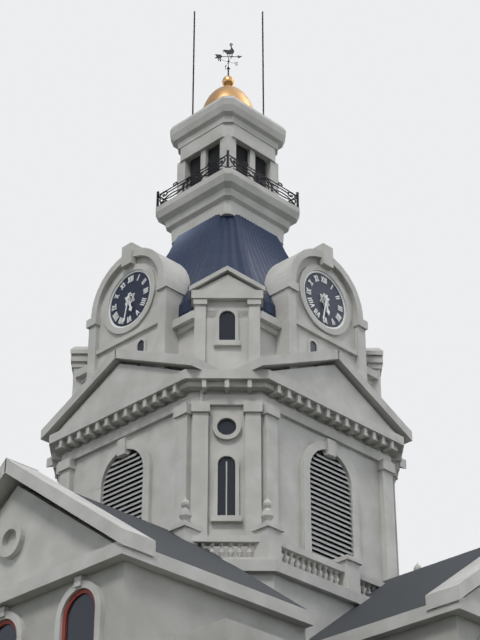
**5:32**
